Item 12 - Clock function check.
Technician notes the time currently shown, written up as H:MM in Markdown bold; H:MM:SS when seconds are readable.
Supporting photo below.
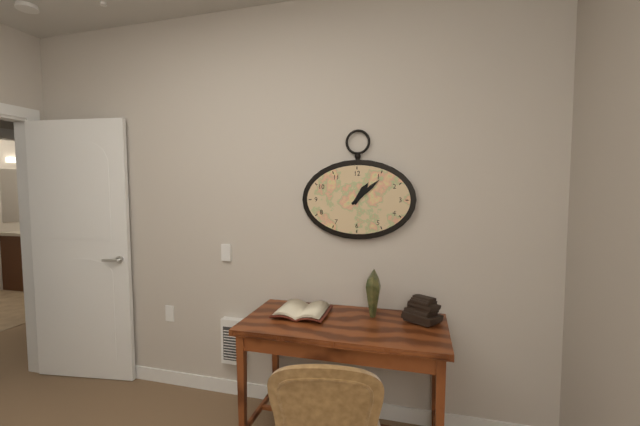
**1:08**
